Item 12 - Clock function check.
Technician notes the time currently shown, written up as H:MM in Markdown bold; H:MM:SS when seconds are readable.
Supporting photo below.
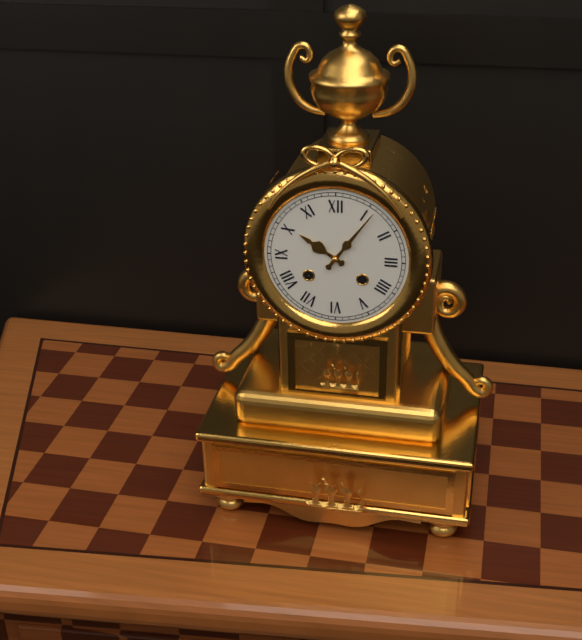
**10:06**
